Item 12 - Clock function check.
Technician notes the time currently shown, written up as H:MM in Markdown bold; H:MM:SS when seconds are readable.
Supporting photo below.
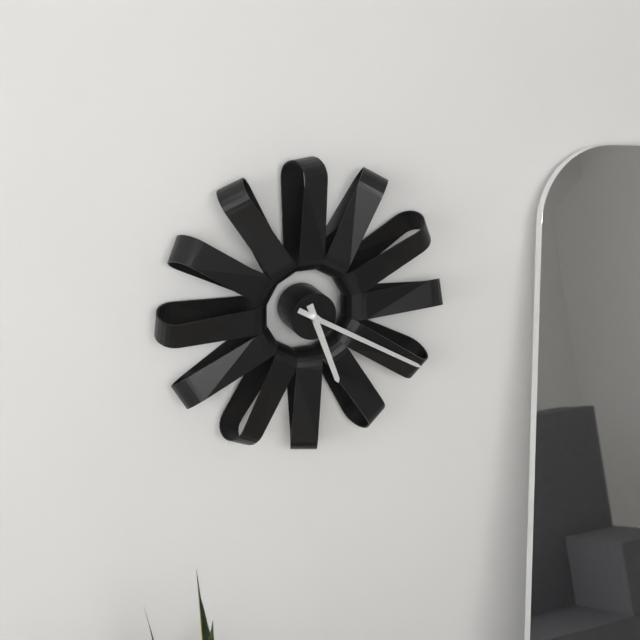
**5:20**
